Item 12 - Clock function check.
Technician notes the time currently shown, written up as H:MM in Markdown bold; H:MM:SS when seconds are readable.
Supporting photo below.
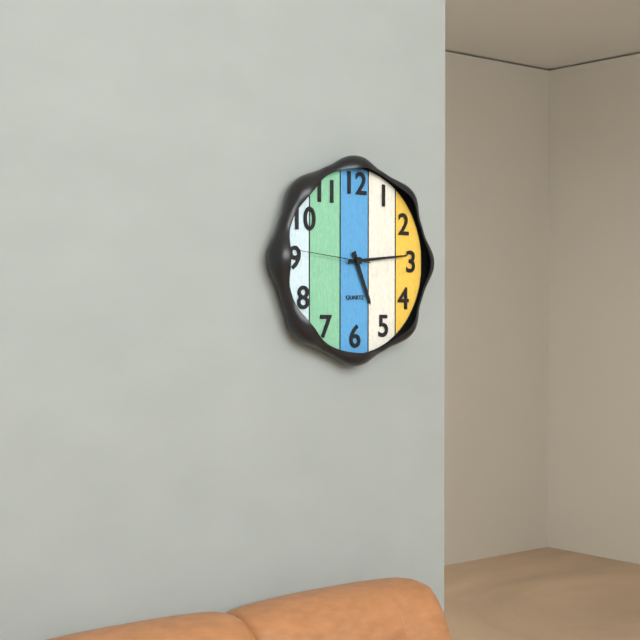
**5:14:46**
